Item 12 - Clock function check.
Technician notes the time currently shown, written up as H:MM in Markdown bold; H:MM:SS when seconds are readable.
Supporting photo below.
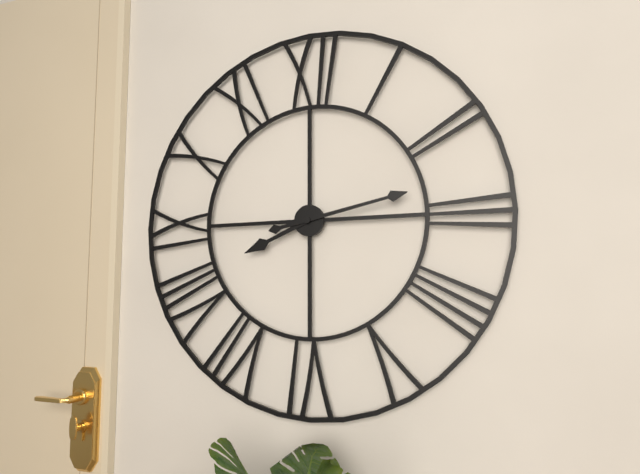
**8:13**
